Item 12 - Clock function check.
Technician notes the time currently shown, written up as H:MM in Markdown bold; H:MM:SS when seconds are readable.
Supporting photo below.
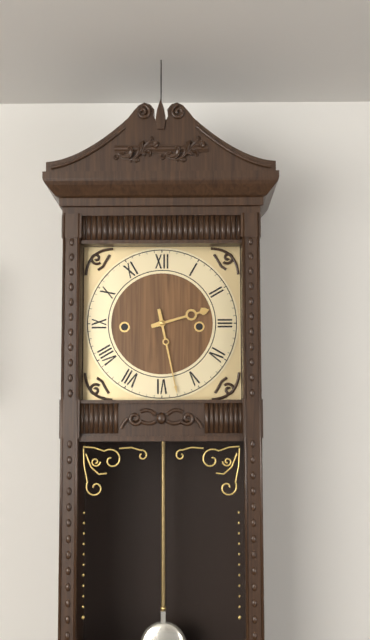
**2:28**
